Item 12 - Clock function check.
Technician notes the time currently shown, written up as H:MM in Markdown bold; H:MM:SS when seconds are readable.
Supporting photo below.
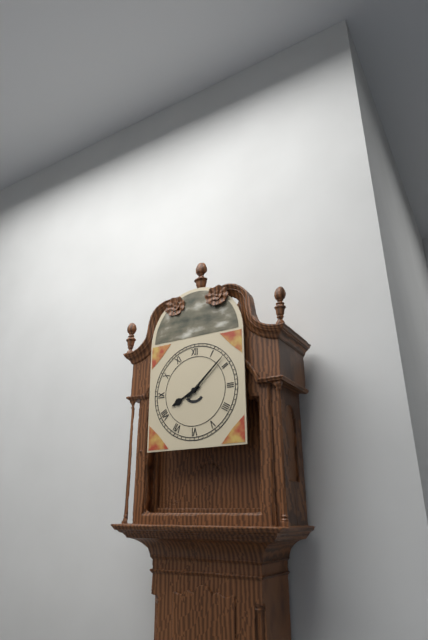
**8:08**
